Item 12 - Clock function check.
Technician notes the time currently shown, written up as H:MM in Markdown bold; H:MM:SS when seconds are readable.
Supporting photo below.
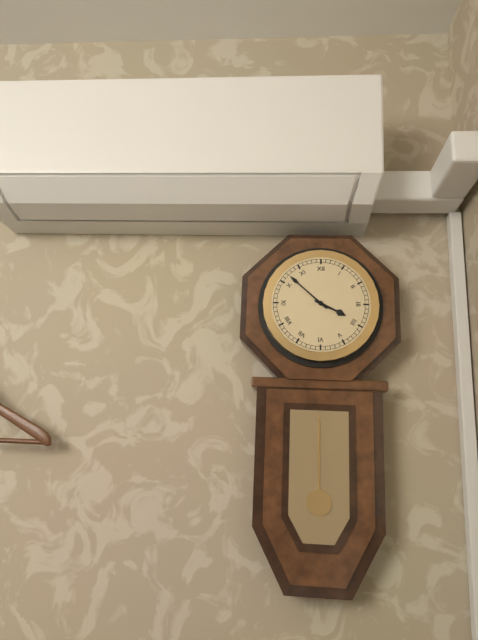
**3:52**
